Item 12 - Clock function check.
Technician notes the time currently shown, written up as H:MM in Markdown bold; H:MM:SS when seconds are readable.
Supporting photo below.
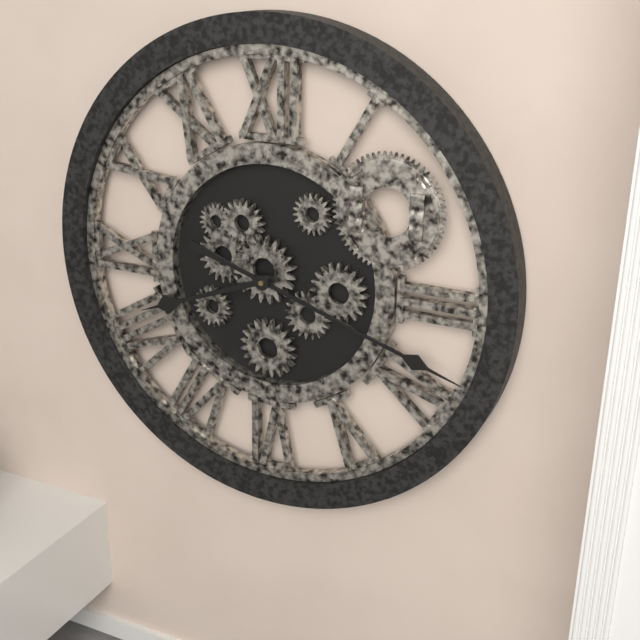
**8:18**
